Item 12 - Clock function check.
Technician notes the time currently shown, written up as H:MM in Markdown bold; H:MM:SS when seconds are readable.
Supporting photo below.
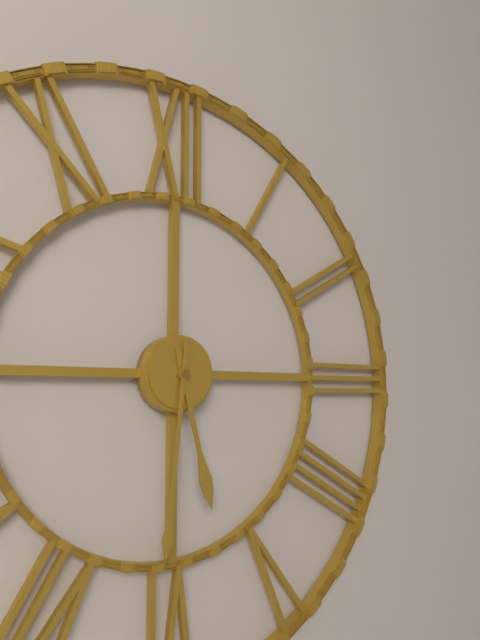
**5:31**
